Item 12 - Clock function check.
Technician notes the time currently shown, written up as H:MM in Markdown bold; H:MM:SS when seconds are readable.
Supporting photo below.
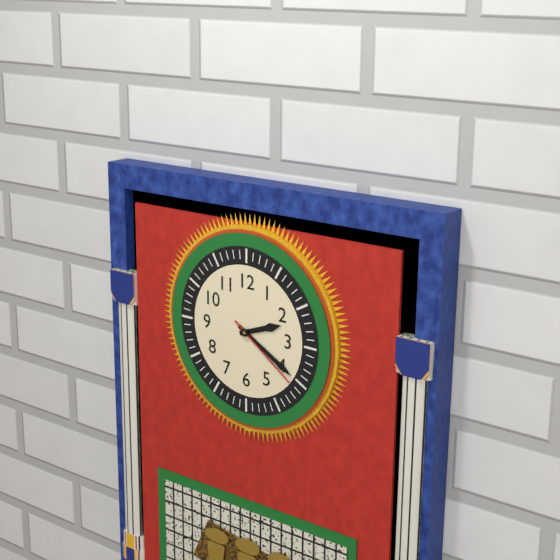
**2:20:21**
